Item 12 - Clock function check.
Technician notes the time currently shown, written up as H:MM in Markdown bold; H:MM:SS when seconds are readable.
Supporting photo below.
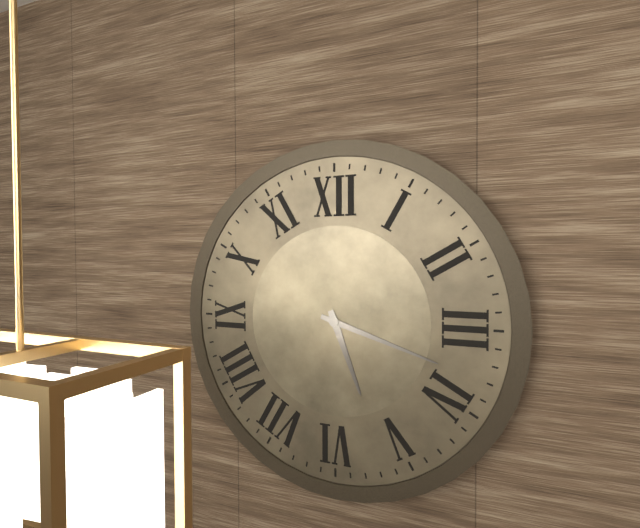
**5:18**
